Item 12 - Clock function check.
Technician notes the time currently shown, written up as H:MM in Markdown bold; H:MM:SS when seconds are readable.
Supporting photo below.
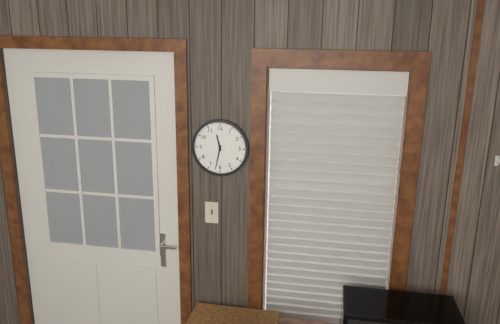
**11:32**
